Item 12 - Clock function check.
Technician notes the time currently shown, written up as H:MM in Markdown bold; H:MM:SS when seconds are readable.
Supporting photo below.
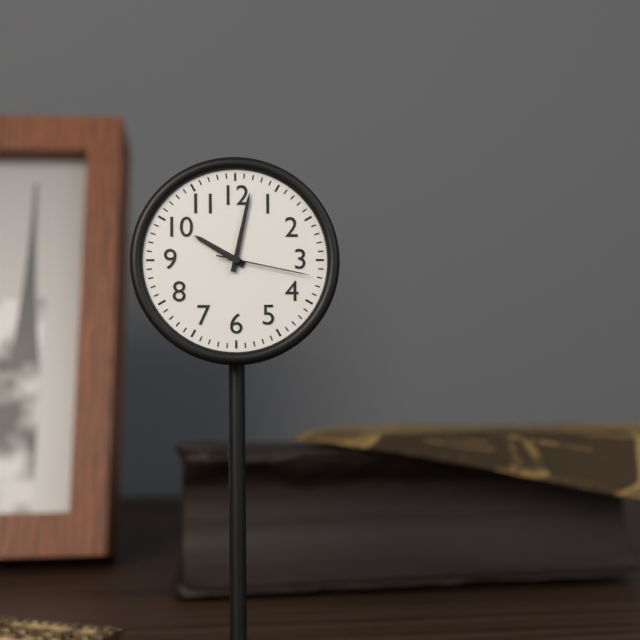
**10:02:17**
